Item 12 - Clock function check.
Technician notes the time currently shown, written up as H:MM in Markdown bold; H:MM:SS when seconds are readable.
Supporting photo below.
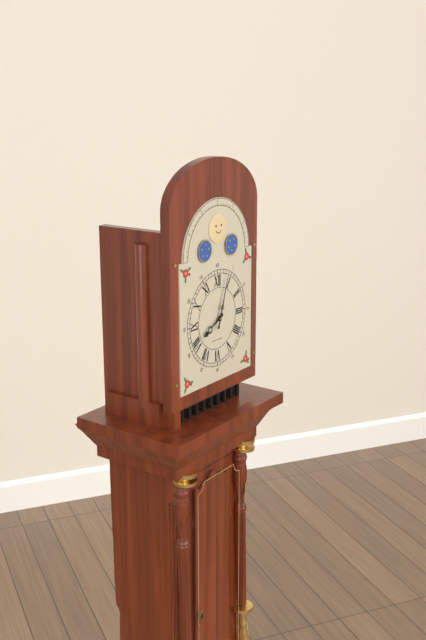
**8:03**
